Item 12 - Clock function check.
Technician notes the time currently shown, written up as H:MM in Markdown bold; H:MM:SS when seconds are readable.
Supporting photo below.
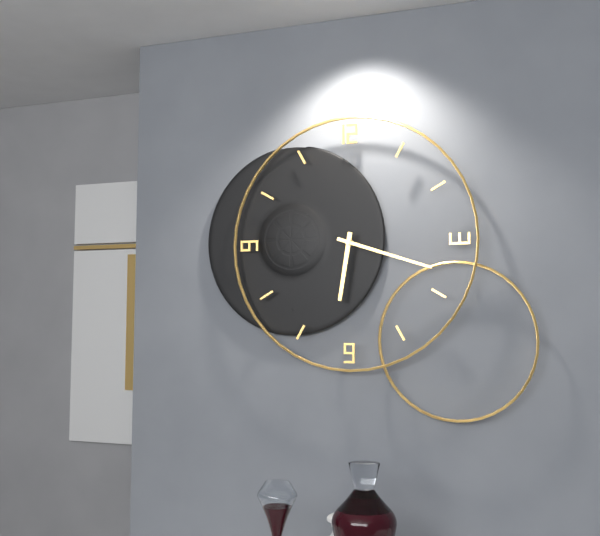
**6:18**
